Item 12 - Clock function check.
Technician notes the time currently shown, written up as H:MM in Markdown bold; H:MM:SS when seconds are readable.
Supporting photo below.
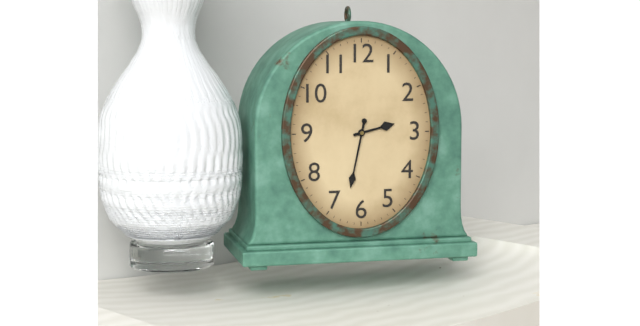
**2:32**
